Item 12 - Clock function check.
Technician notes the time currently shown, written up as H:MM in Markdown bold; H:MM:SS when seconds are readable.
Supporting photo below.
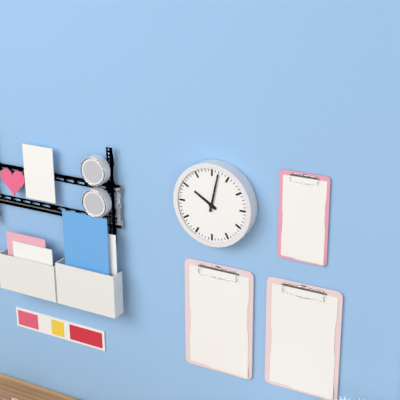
**10:02**
